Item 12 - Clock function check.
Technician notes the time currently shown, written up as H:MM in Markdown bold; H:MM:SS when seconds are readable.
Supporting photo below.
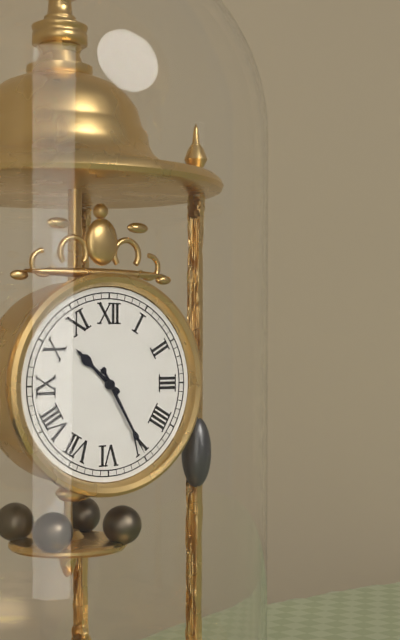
**10:25**
